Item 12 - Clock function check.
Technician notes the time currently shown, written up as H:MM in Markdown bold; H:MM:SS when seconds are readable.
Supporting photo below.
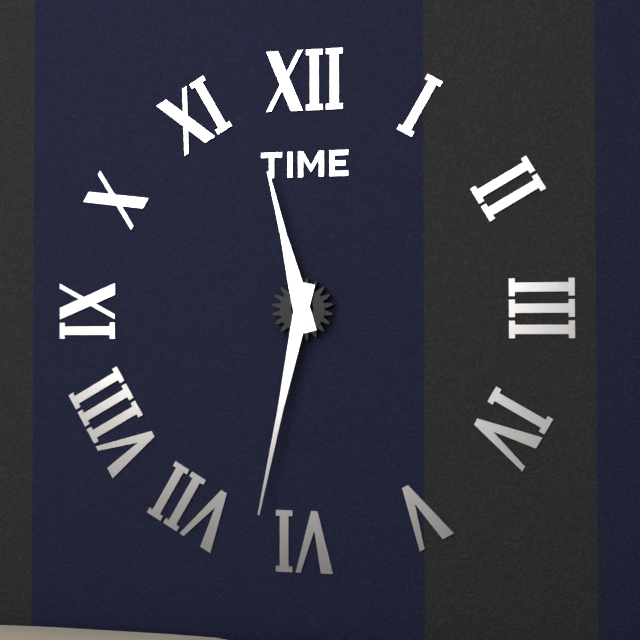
**11:32**
